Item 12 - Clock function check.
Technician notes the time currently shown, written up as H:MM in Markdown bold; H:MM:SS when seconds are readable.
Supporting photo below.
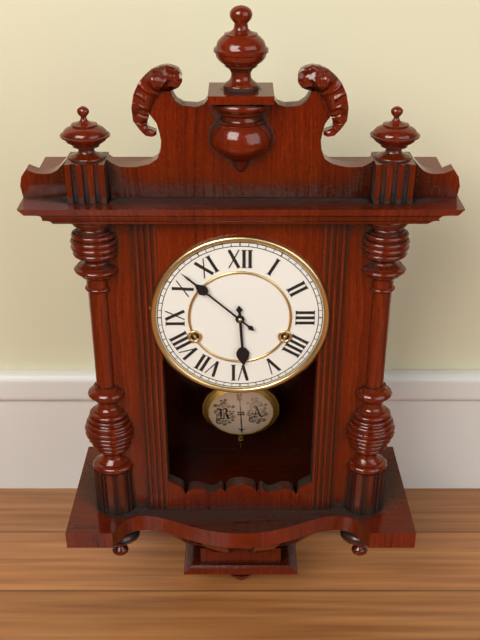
**5:52**
